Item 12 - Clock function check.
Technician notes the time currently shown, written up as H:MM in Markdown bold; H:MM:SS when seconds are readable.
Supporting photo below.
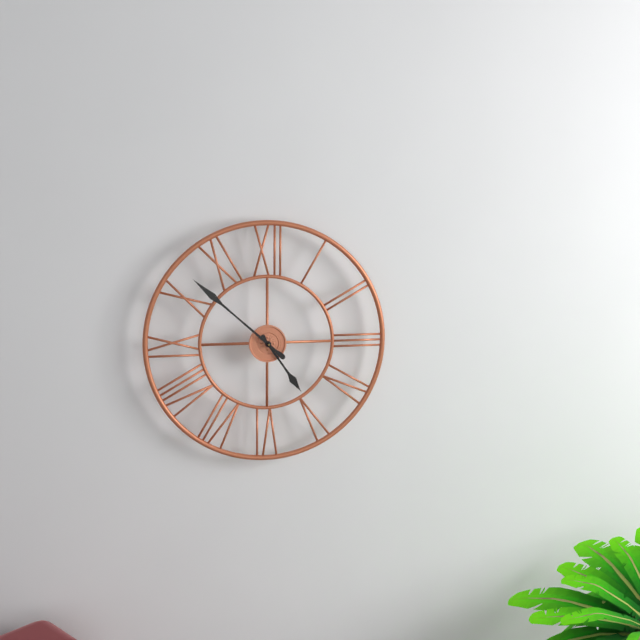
**4:52**
